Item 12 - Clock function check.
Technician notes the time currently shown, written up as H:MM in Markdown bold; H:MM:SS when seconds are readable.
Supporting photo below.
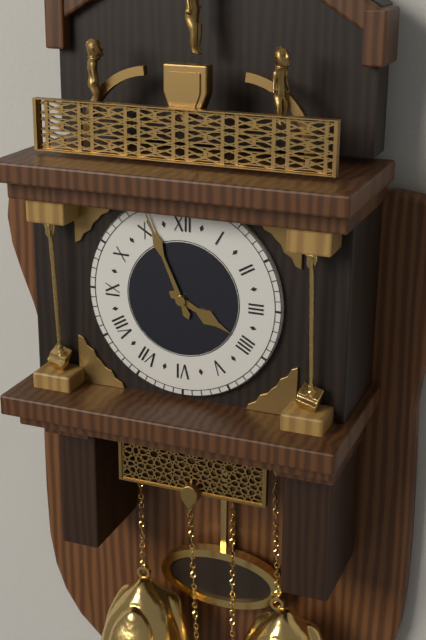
**3:56**
